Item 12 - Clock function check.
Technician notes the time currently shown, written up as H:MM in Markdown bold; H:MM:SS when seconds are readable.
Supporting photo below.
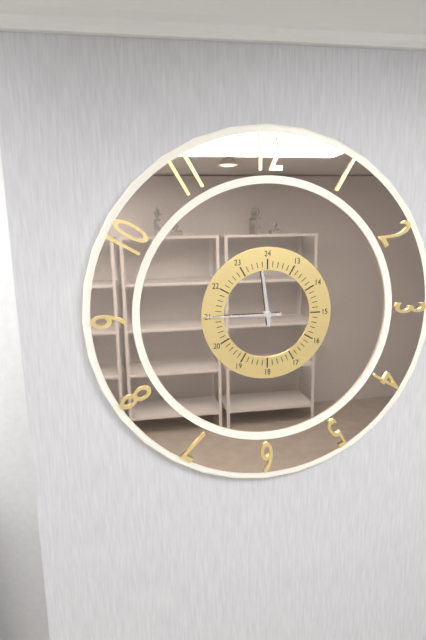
**11:45**
